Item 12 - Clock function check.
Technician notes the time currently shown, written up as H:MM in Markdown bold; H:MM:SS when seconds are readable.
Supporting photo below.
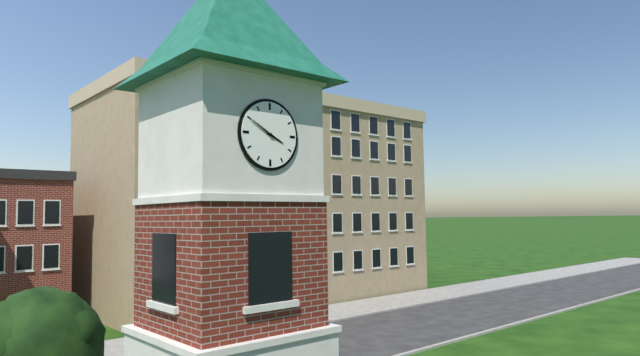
**3:50**
